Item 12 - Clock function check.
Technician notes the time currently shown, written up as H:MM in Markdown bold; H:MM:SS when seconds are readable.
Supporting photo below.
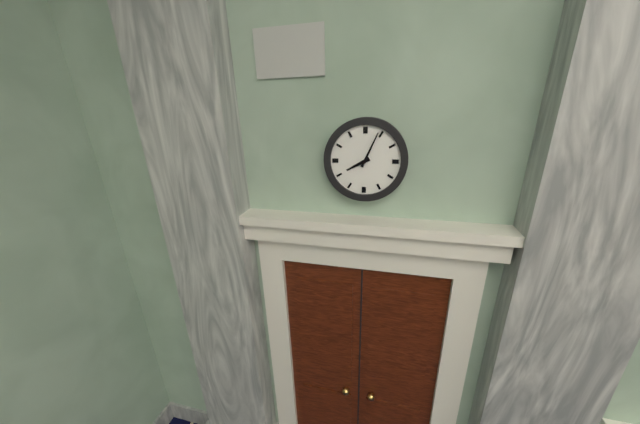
**8:04**
